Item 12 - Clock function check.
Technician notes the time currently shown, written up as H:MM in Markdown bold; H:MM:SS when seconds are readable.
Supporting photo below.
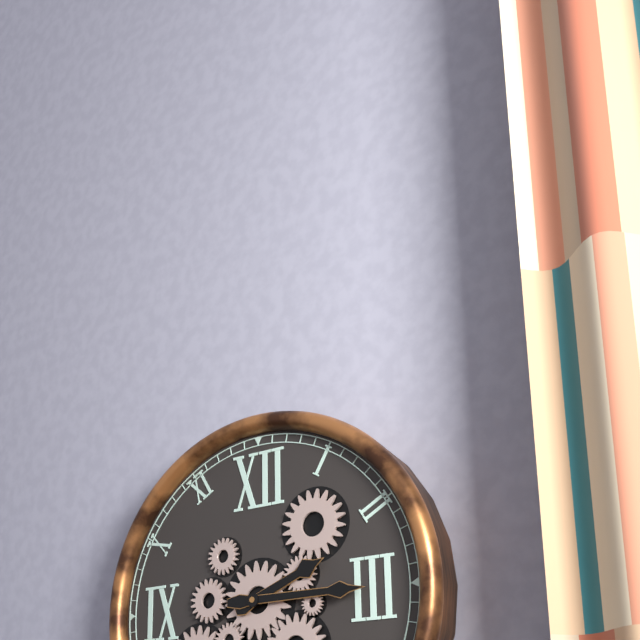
**2:15**
